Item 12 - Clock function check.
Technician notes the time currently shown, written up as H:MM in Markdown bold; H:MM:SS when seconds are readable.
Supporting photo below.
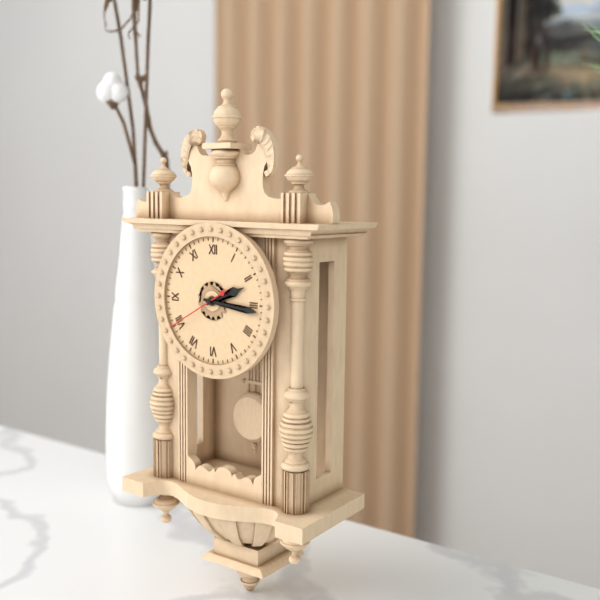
**2:16:40**
